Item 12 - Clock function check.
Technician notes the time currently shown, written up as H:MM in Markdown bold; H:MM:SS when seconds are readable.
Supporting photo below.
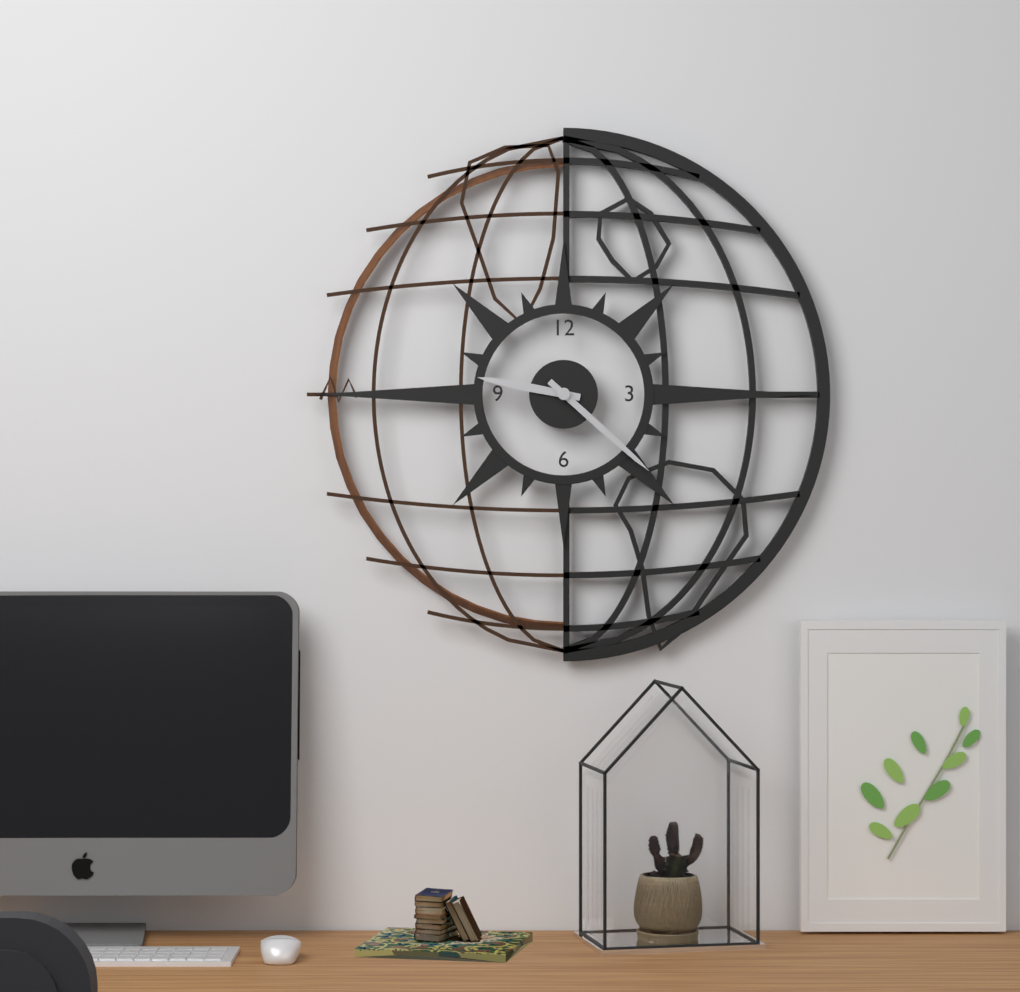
**9:22**
